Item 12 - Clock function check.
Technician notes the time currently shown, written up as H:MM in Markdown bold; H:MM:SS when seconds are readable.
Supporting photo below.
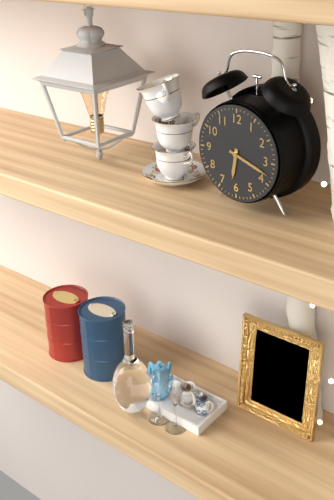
**6:18**
